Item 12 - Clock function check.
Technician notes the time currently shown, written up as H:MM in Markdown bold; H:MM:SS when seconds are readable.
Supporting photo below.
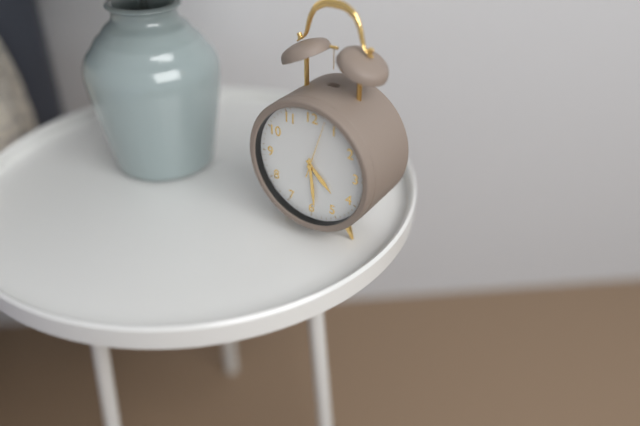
**4:29:03**
